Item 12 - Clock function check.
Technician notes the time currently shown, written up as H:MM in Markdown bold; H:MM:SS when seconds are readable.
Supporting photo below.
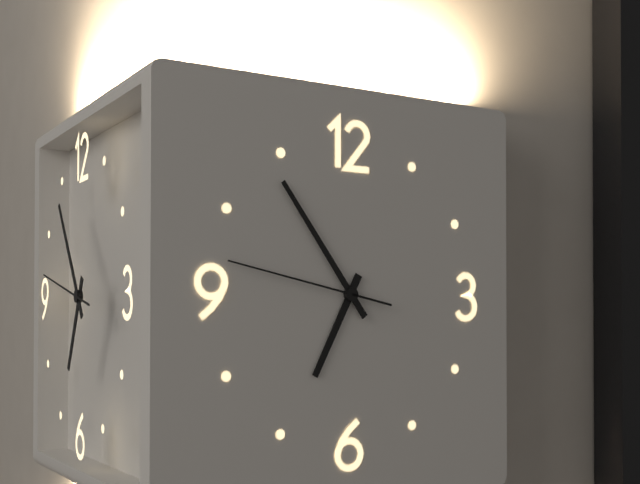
**6:54:47**
